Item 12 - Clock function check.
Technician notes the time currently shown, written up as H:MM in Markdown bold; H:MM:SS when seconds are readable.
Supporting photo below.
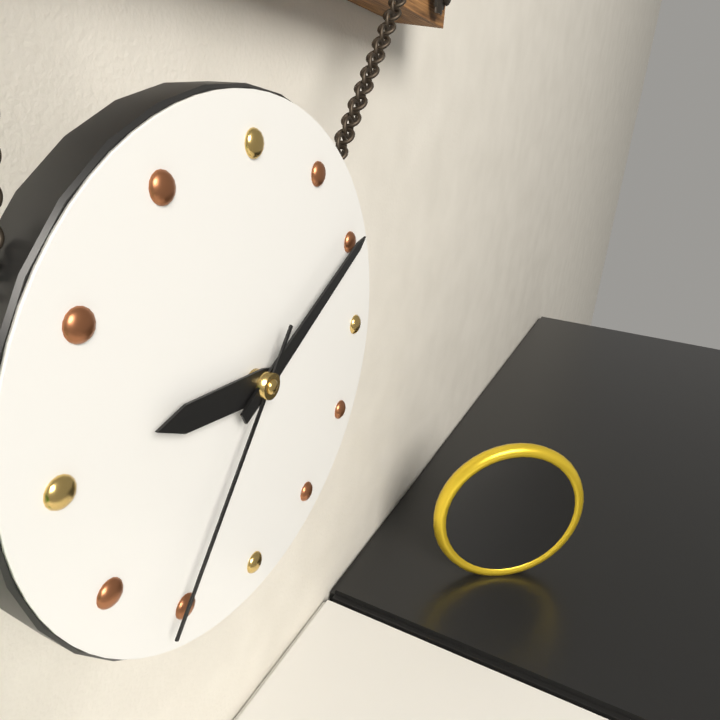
**9:10:36**
